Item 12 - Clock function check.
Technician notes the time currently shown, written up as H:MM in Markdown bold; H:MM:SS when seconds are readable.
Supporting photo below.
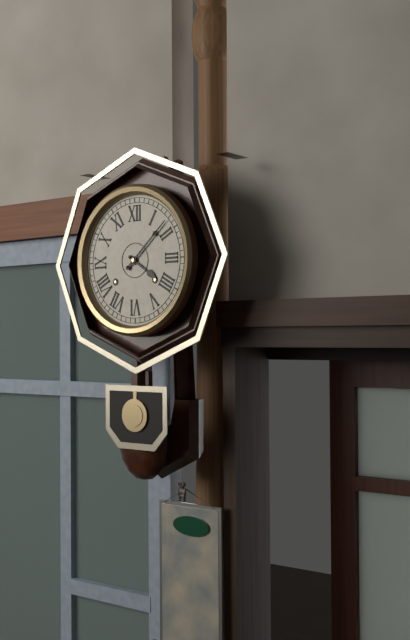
**4:08**
